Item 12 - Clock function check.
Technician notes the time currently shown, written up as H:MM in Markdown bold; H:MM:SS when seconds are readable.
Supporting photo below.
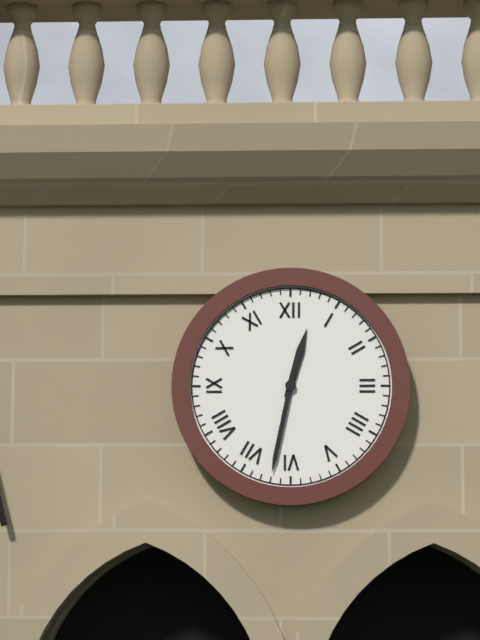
**12:32**
